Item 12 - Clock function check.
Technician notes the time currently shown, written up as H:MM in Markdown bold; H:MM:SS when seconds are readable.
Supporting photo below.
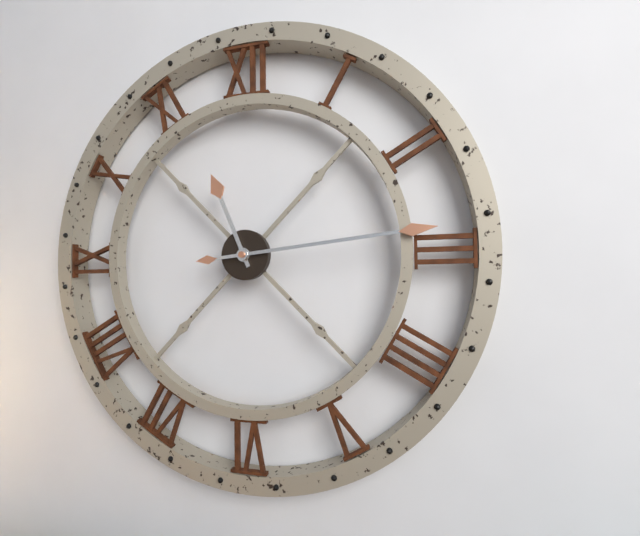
**11:14**
